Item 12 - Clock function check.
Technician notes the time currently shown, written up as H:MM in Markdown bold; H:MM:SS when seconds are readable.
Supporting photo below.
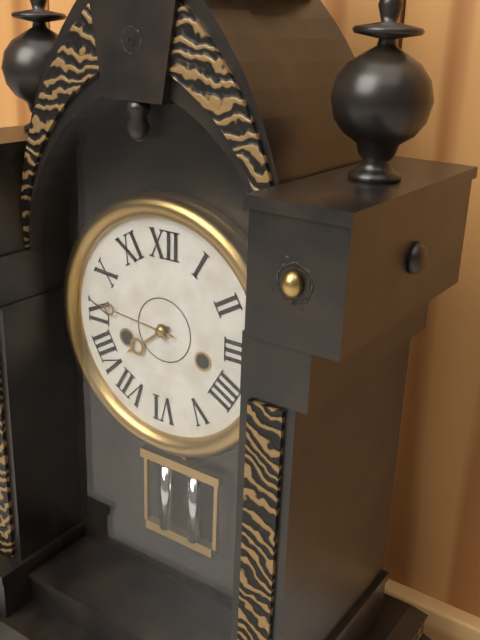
**7:46**
